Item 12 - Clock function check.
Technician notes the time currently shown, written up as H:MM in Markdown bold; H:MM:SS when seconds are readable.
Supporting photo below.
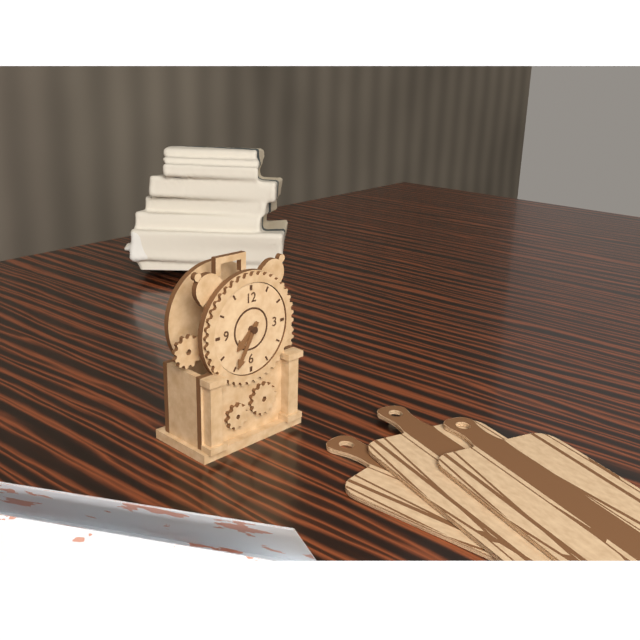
**7:35**
